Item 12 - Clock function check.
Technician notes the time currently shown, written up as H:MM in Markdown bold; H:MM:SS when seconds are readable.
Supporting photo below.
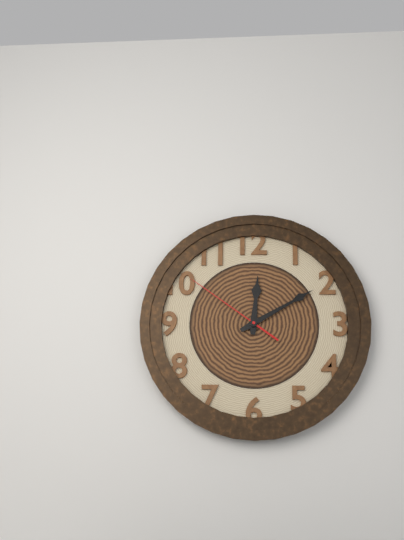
**12:10:51**
